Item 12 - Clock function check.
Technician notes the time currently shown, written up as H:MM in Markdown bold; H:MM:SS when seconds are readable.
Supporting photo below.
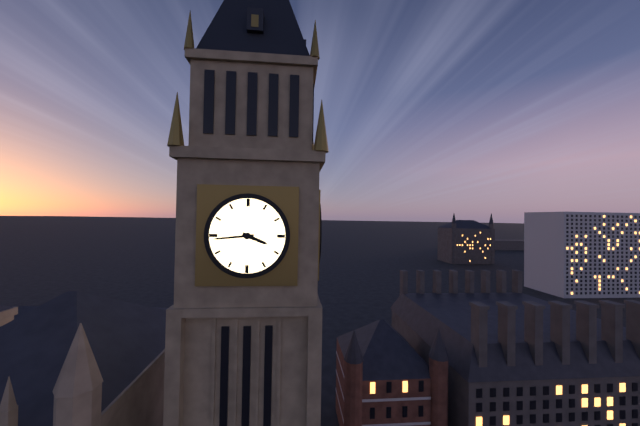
**3:44**
